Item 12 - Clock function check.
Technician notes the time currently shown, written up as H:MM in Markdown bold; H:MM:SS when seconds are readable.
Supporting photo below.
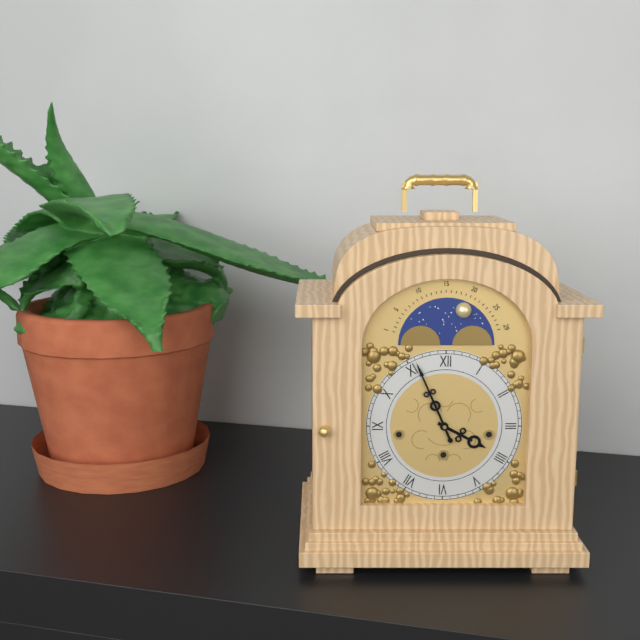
**3:56**
